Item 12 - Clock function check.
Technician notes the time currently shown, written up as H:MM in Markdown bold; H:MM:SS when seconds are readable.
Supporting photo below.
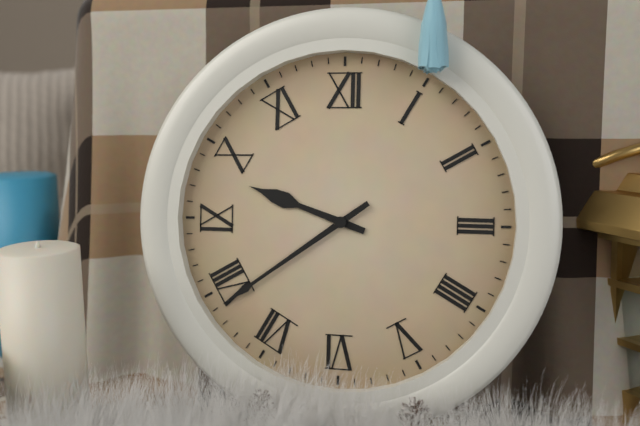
**9:39**
